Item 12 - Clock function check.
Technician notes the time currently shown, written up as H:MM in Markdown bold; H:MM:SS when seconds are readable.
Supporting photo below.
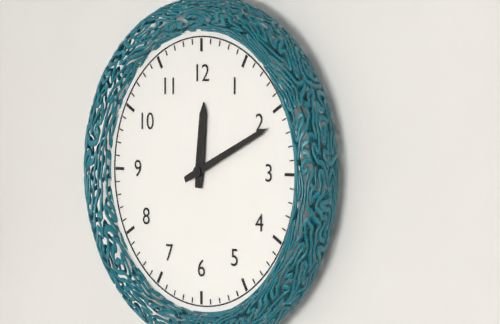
**12:11**
